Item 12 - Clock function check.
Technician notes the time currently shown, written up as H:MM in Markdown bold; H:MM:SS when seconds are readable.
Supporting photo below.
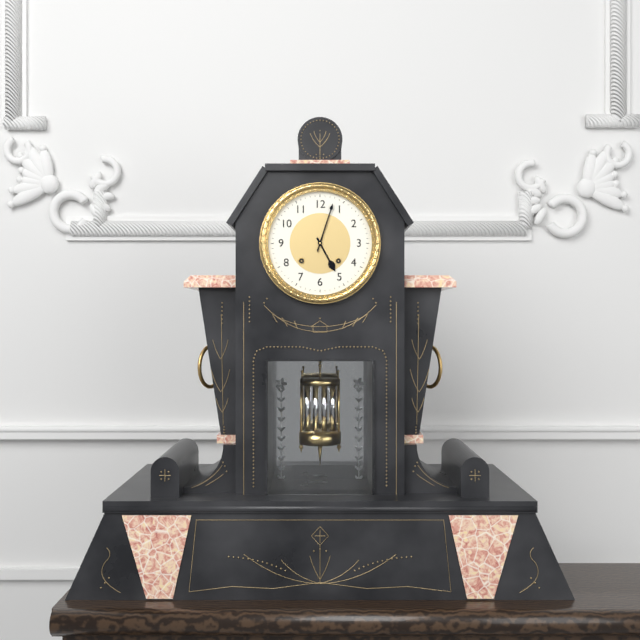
**5:03**
